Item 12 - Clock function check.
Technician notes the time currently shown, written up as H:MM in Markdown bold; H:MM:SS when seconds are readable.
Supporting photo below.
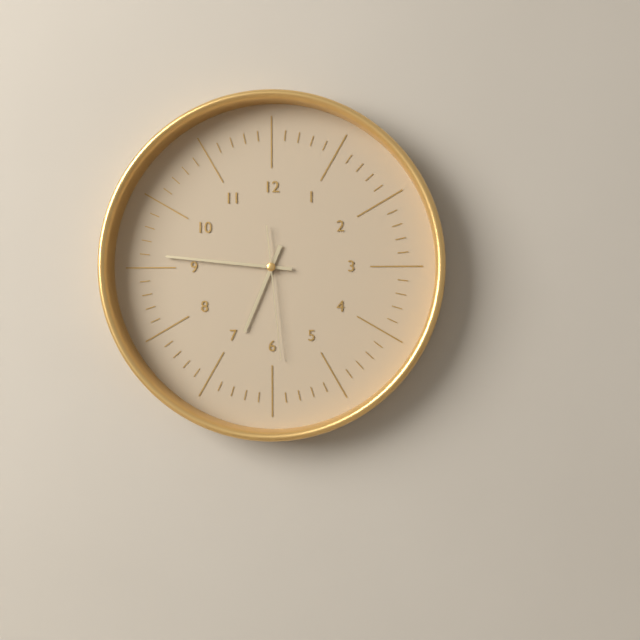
**6:46:29**
